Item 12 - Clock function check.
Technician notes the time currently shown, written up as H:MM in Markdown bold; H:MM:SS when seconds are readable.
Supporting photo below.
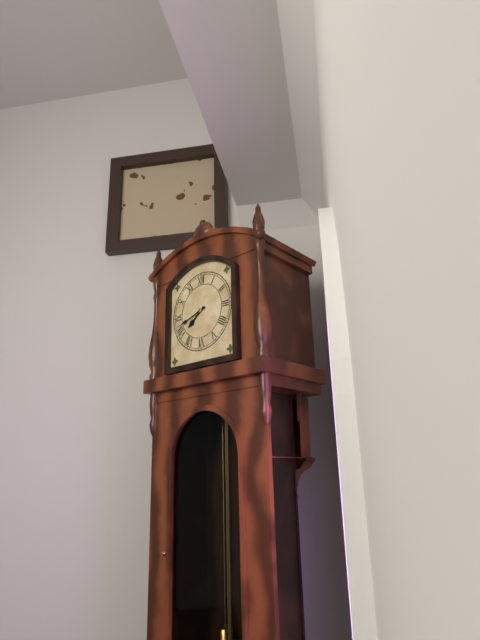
**7:42**
